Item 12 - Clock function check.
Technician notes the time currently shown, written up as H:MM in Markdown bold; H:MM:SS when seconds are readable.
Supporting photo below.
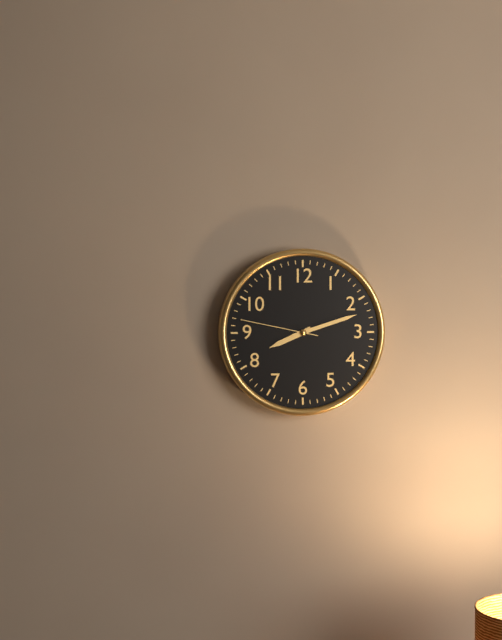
**8:12:47**
